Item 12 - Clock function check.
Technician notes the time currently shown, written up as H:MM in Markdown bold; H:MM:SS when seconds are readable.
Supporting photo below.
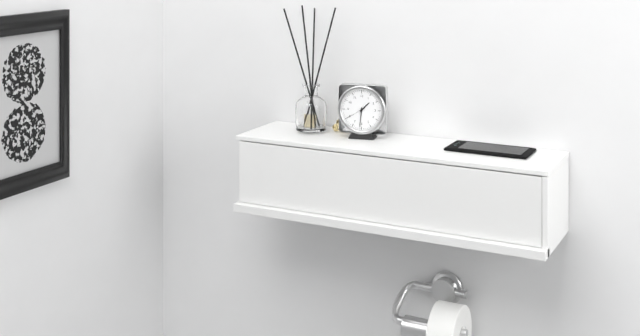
**1:31**
